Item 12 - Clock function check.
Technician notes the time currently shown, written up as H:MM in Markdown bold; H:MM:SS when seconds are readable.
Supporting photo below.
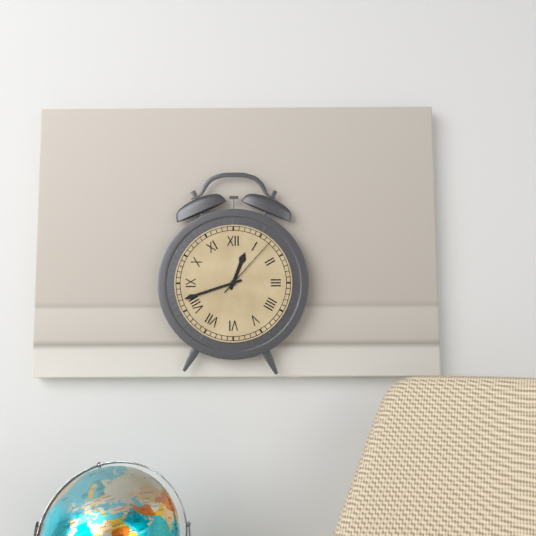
**12:42:07**
